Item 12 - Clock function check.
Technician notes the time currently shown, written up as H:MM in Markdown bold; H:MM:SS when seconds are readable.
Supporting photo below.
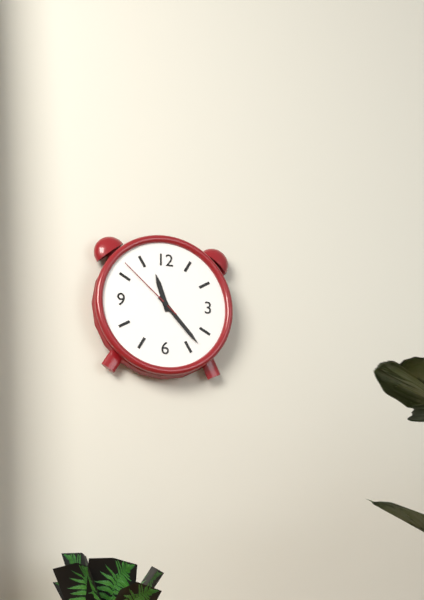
**11:23:52**
